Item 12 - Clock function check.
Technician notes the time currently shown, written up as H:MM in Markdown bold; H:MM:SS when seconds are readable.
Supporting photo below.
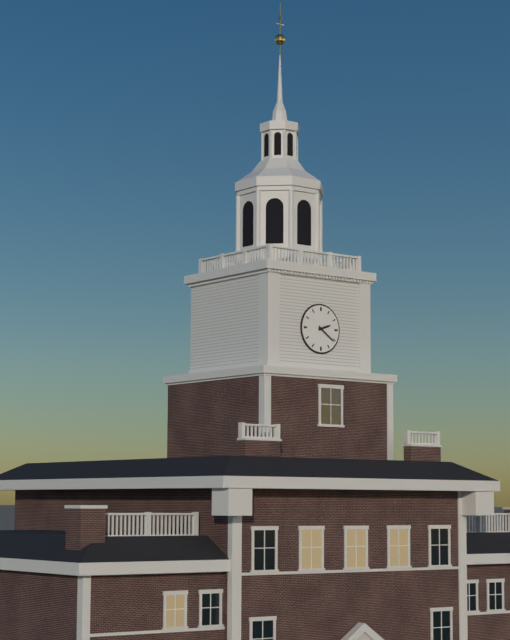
**2:21**
